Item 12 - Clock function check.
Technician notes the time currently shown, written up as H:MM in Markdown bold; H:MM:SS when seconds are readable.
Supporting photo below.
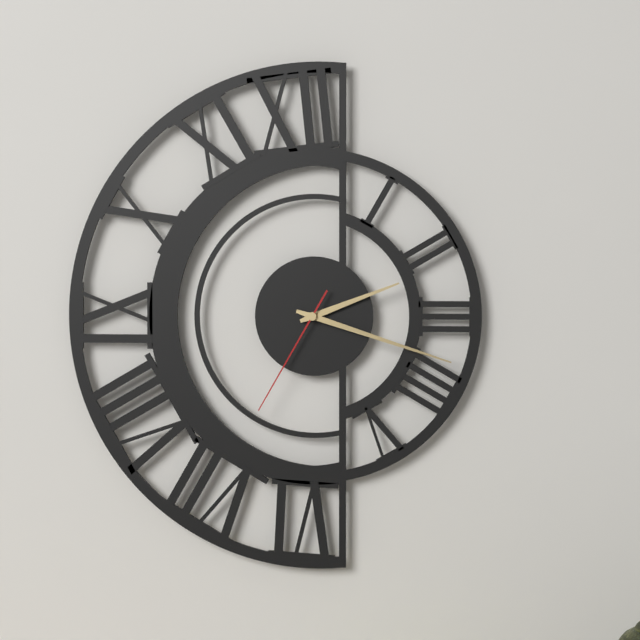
**2:18:35**
